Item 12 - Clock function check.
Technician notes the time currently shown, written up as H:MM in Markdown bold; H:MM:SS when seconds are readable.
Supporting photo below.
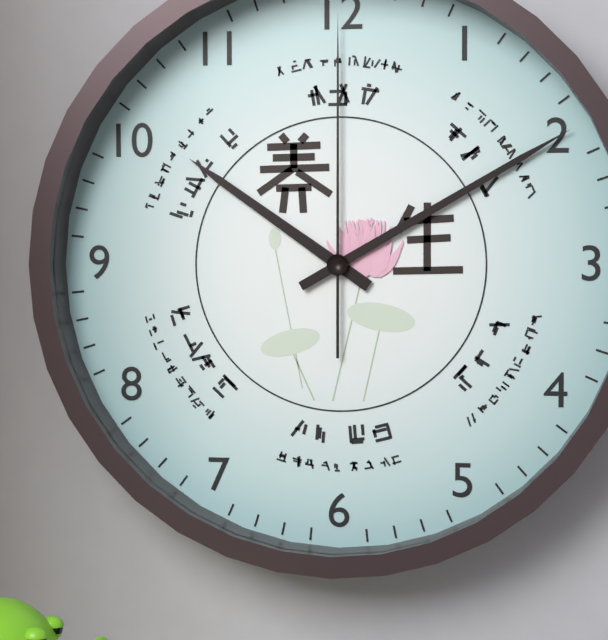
**10:10:00**
